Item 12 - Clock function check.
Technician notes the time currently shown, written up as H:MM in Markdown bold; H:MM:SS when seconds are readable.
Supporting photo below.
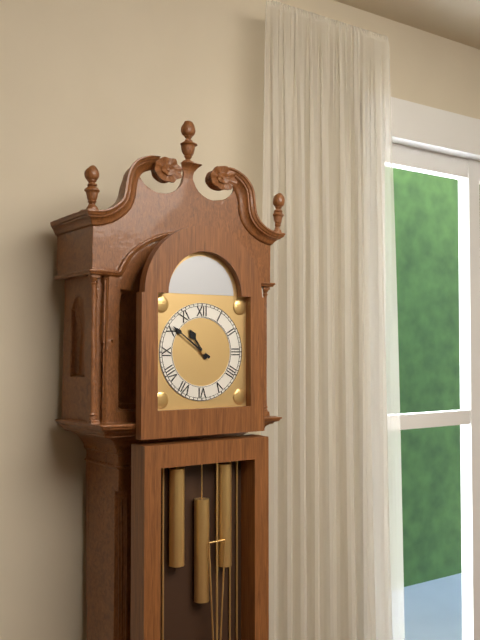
**10:51**
